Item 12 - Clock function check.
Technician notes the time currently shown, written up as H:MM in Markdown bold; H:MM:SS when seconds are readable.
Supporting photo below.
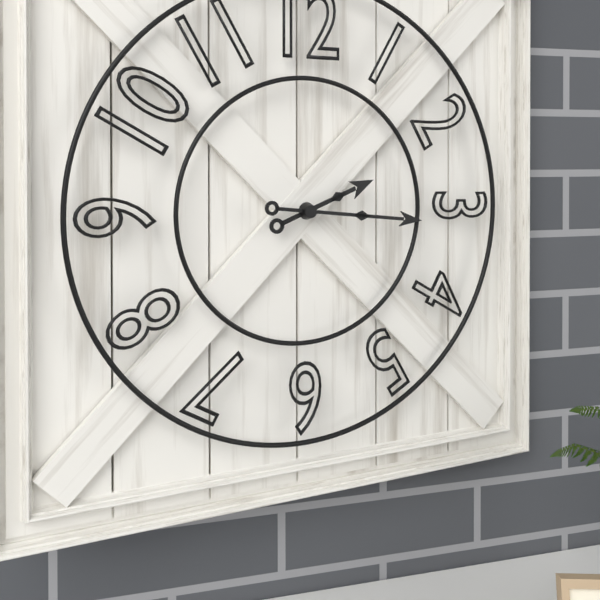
**2:16**
